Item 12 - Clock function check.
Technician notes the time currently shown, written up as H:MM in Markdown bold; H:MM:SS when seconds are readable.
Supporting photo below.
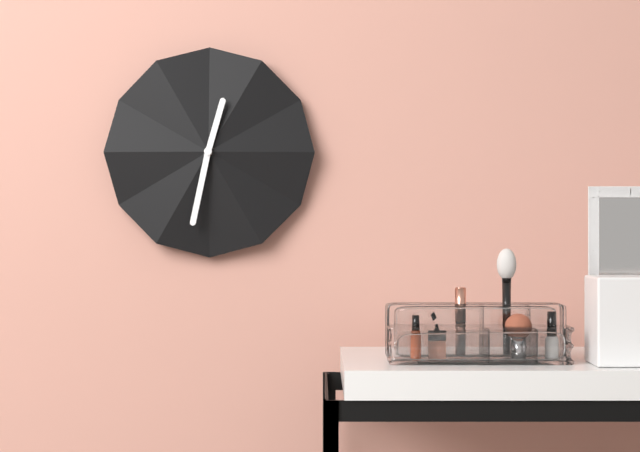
**12:32**
